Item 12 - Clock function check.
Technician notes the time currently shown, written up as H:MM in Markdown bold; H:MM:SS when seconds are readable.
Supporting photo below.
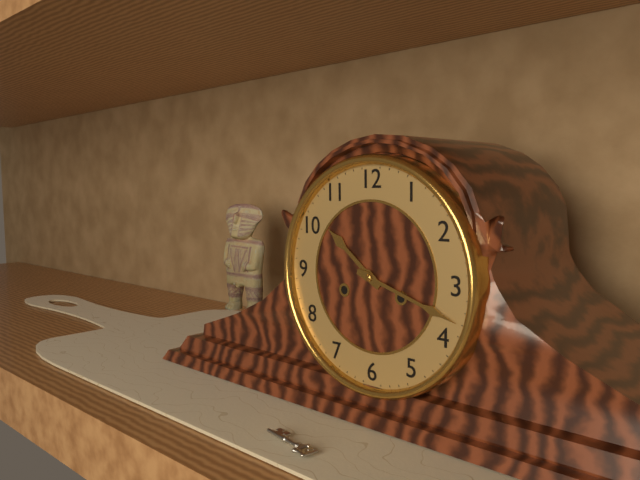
**10:18**
